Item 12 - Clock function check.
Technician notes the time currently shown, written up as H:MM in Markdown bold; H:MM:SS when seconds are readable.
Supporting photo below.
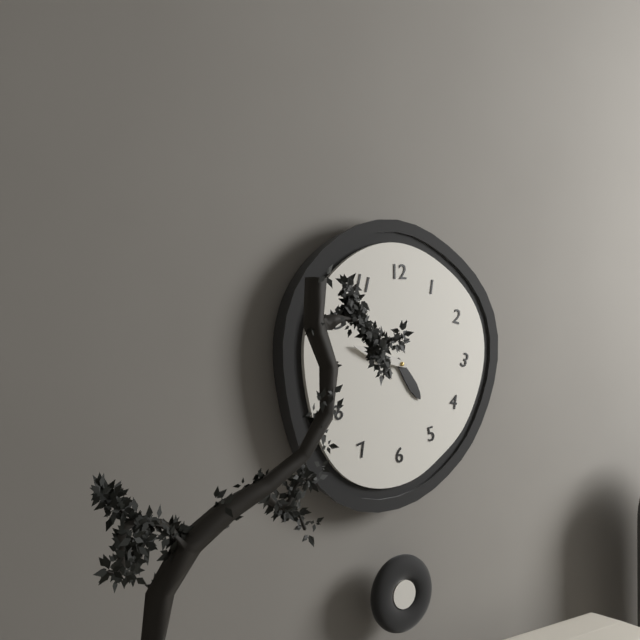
**4:48**
